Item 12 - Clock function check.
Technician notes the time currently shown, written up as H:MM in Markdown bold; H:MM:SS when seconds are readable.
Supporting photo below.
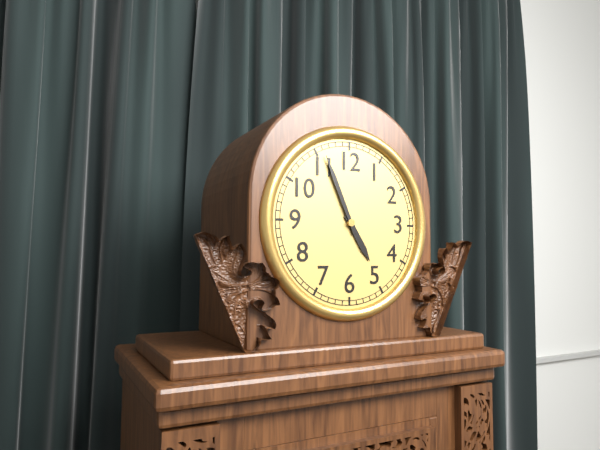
**4:56**
